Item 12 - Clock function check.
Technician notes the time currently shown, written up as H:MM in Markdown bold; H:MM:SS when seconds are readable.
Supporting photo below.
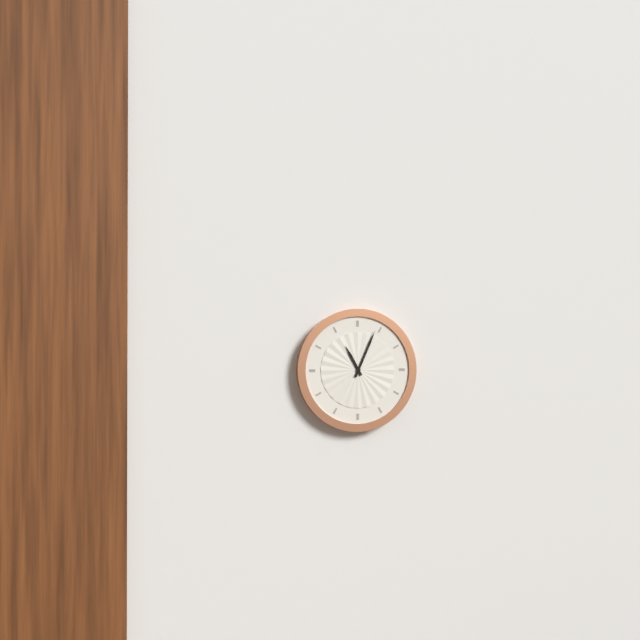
**11:04**
